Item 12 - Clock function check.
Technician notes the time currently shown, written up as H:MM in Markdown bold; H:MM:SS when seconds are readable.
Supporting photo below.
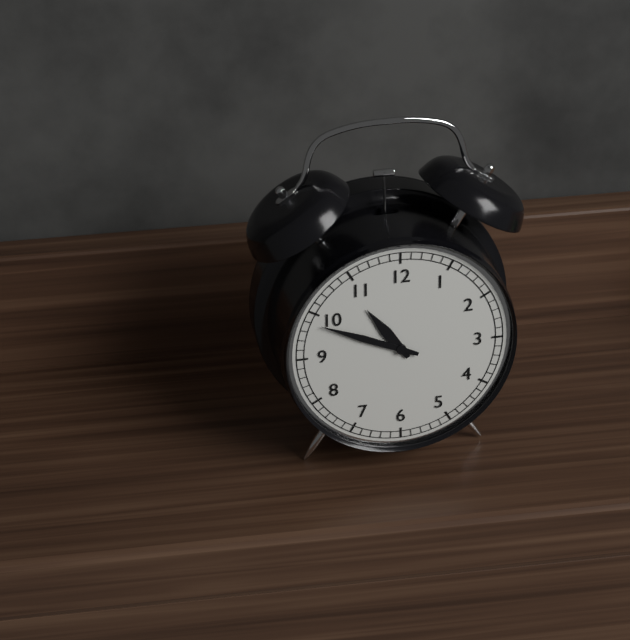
**10:49**
